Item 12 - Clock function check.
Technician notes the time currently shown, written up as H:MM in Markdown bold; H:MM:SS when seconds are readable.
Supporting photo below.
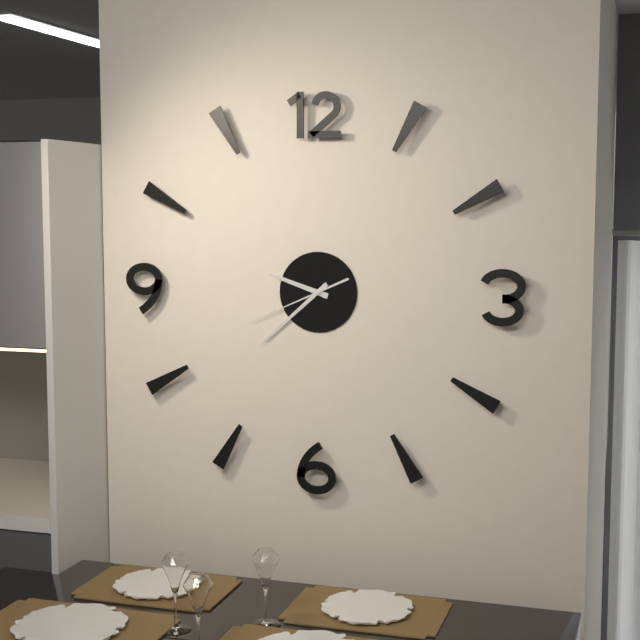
**9:38:41**
